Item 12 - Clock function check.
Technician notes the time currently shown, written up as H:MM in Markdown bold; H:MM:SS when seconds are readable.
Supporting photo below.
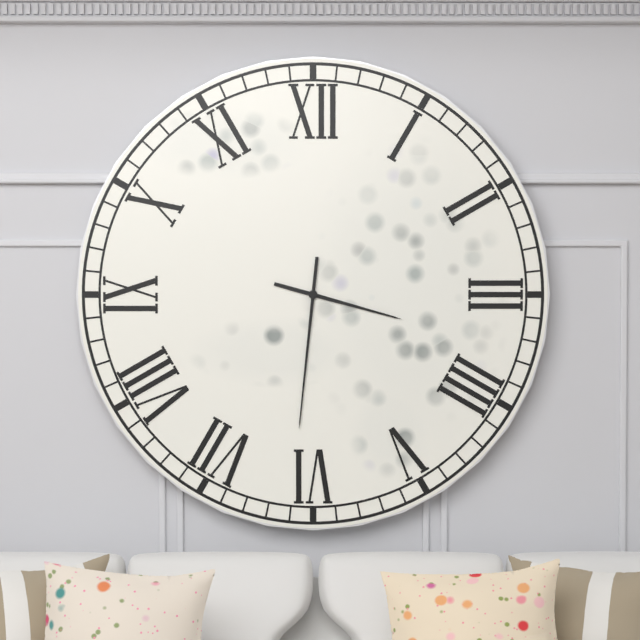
**3:31**
